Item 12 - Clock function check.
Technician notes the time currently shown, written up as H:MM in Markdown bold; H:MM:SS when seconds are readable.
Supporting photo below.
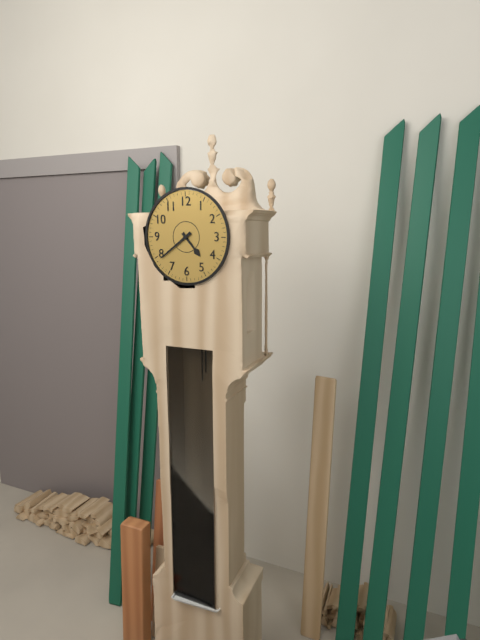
**4:39**
